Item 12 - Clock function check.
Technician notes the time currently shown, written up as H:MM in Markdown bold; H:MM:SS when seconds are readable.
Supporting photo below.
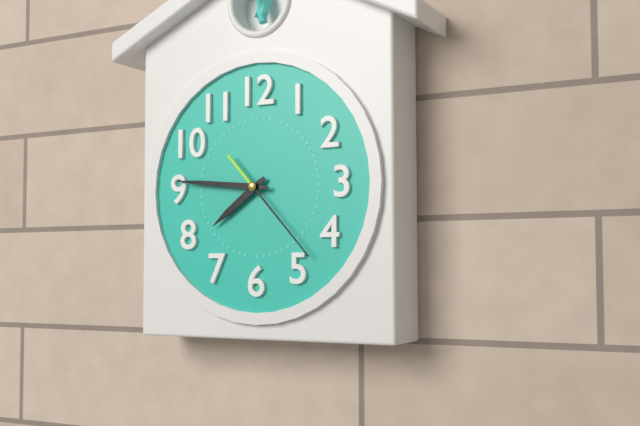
**7:46:23**
